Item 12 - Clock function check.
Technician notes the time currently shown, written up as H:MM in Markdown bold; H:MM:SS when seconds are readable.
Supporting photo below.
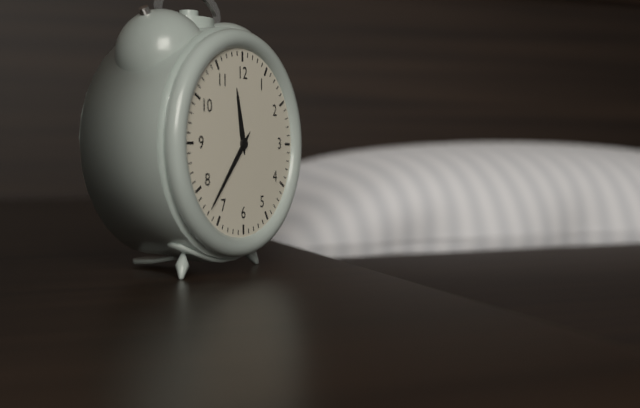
**11:37**
